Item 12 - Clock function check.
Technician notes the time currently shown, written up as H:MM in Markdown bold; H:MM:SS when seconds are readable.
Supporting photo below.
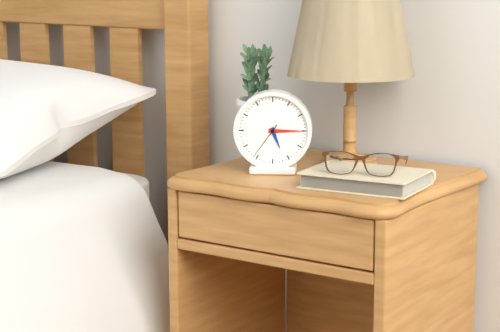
**5:15**
